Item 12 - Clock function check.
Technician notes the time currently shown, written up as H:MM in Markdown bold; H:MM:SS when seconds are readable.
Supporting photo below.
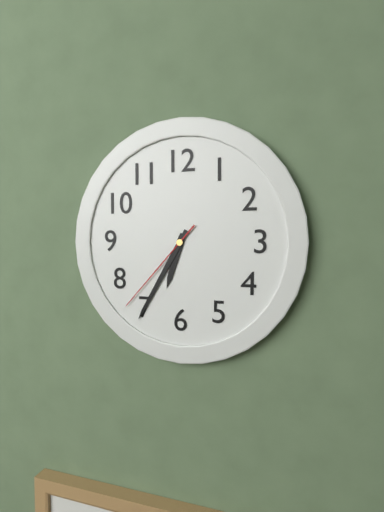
**6:35:37**
